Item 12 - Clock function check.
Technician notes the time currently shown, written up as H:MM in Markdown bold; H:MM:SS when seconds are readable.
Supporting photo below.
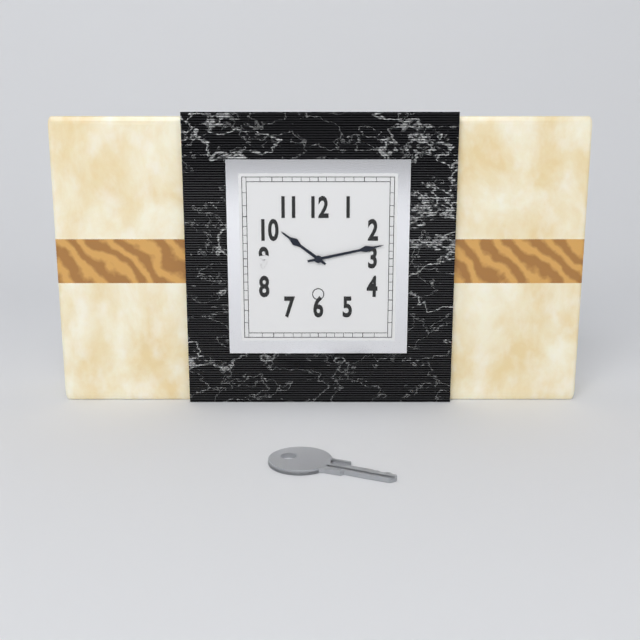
**10:13**
